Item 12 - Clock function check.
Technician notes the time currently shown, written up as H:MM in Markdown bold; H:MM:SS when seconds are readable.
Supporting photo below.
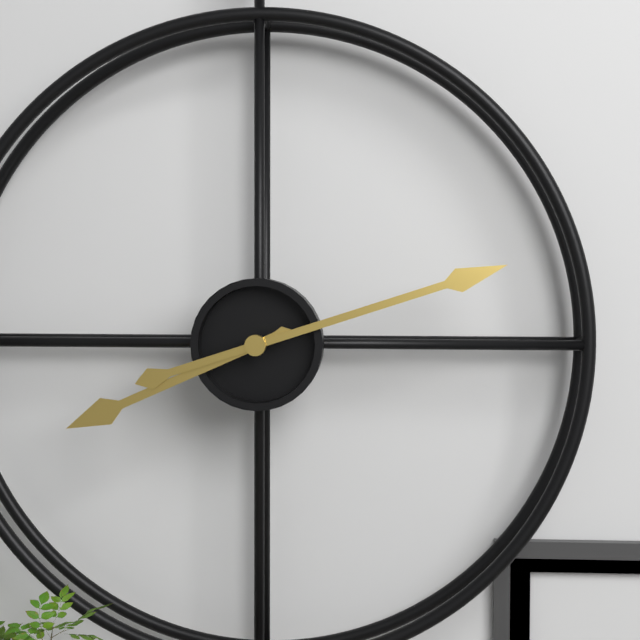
**8:12**
